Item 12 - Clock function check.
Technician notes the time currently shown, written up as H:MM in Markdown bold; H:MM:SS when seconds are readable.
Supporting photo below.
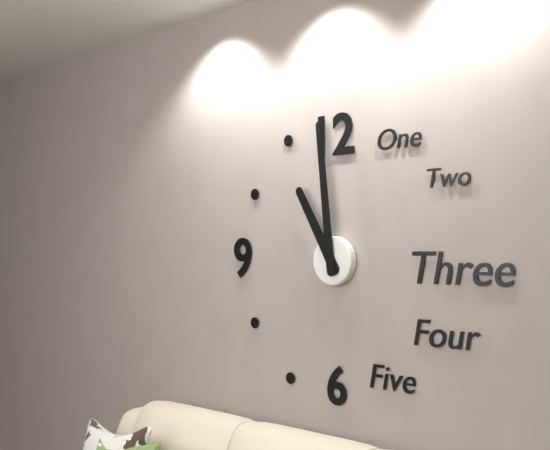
**10:59**
